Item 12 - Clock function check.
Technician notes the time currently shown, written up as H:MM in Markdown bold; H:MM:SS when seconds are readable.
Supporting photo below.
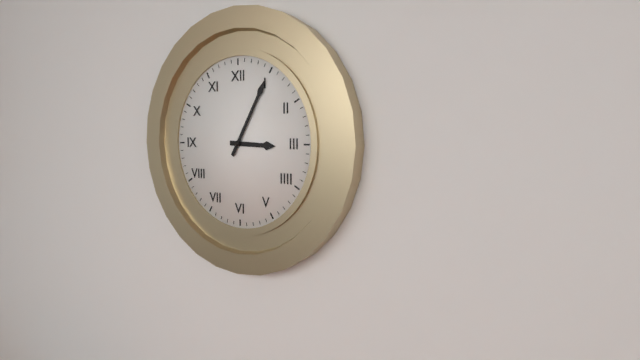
**3:05**
